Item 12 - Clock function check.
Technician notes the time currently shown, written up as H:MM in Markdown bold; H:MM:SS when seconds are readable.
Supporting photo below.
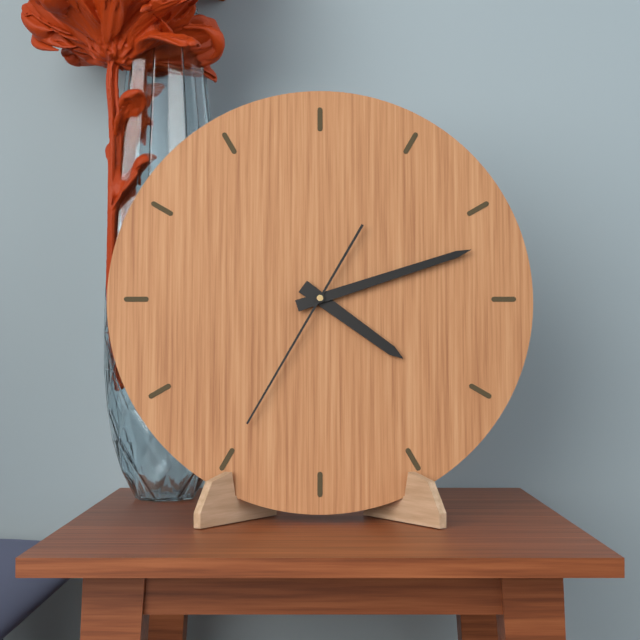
**4:12:35**
